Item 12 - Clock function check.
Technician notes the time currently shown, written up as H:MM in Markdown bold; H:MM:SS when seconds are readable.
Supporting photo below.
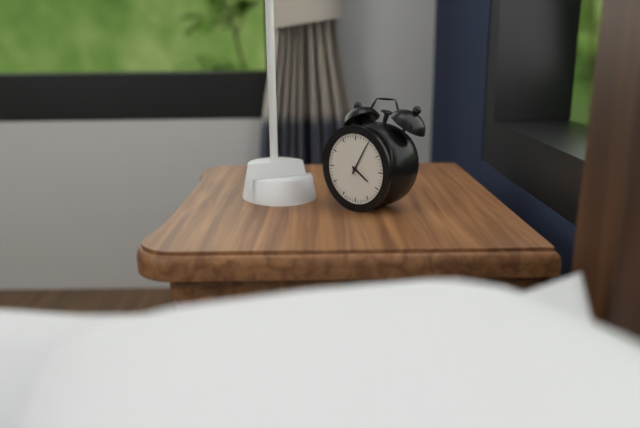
**4:05**
